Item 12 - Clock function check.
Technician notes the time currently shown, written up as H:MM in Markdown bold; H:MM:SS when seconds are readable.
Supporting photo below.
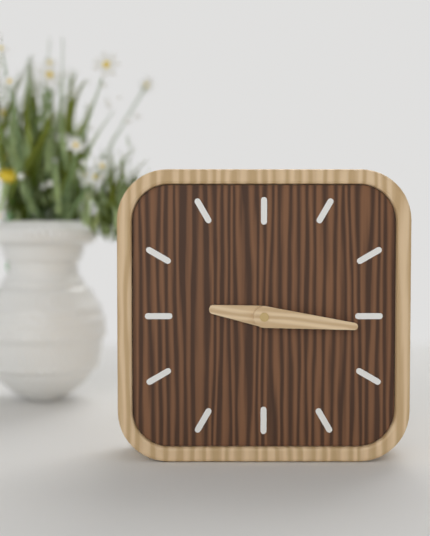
**9:16**
